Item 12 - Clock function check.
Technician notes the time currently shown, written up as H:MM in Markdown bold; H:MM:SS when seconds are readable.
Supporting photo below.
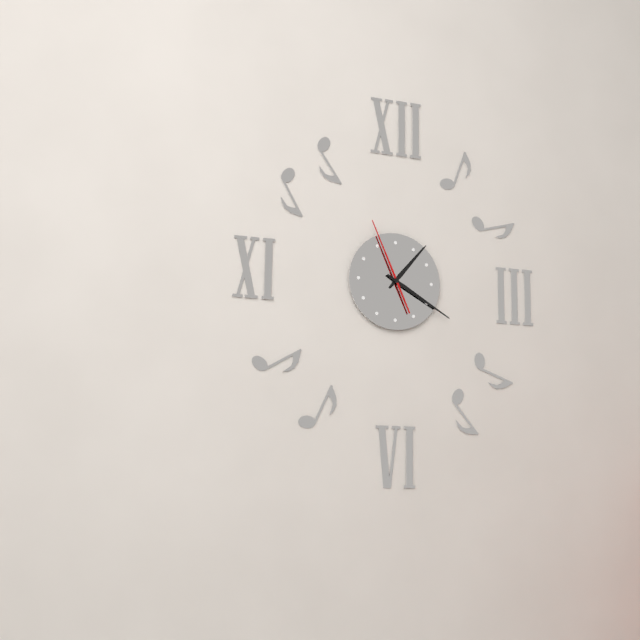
**1:20:56**
